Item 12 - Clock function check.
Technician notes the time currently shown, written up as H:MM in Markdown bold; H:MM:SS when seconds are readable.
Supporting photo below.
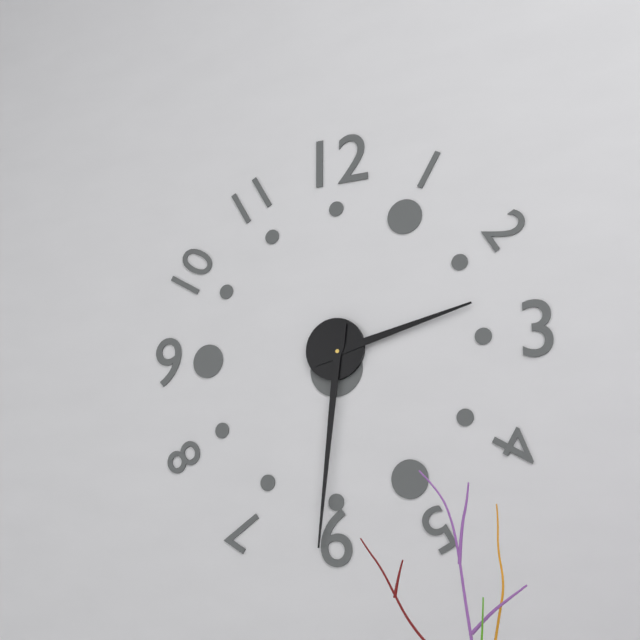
**2:31**
